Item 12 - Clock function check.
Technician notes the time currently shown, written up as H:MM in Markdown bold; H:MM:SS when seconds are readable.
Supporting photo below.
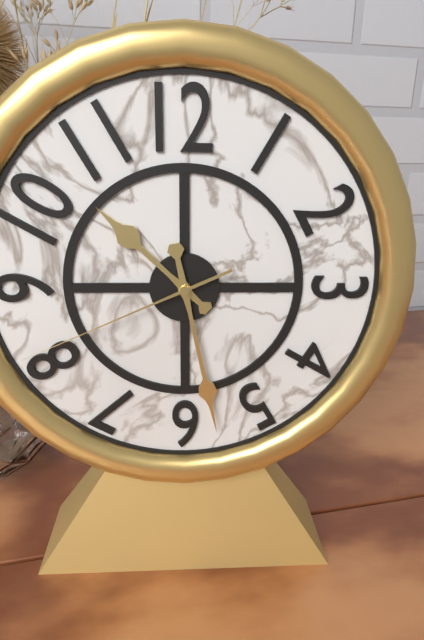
**10:28:41**
